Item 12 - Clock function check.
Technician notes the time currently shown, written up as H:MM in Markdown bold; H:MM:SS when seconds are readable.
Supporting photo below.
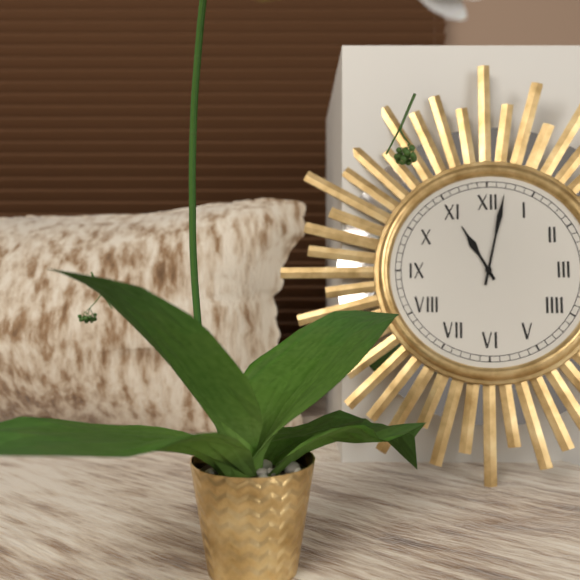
**11:02**
